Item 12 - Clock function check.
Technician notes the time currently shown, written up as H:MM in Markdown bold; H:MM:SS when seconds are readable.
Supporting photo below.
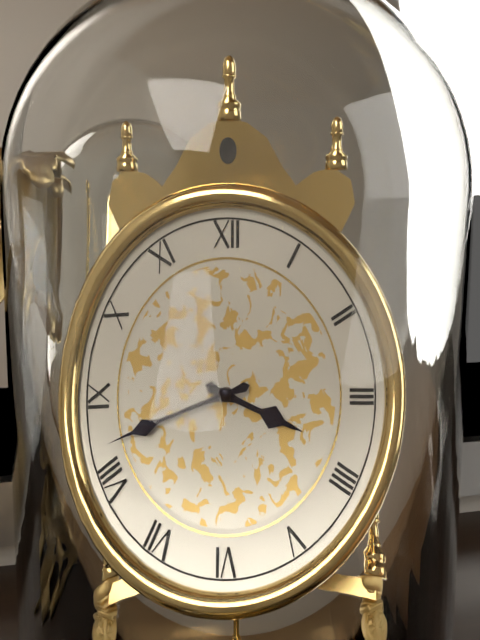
**3:42**
